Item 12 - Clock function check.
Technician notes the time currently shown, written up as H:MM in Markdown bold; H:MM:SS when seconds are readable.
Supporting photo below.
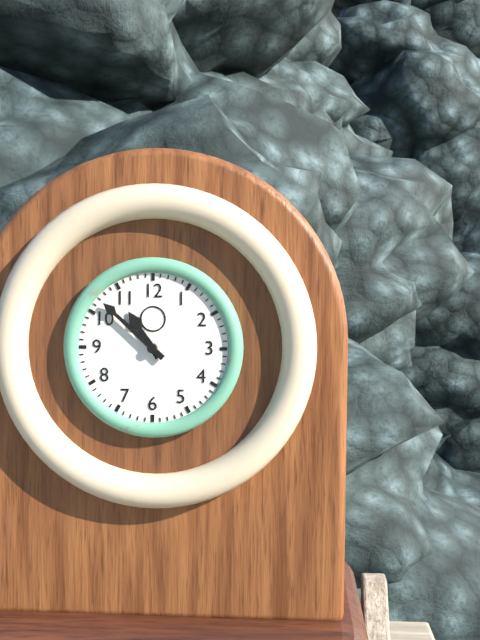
**10:52**
